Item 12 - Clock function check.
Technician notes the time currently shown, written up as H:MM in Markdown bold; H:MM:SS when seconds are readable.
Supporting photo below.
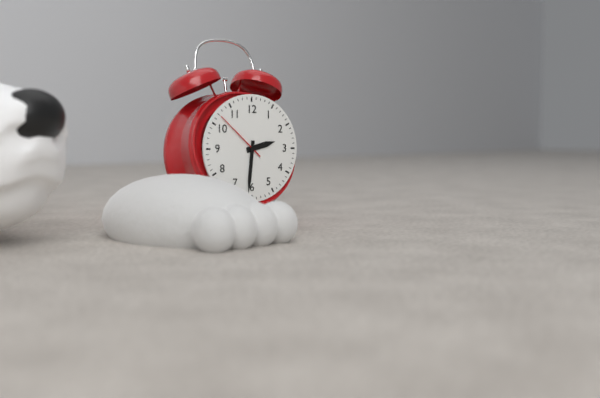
**2:31**
